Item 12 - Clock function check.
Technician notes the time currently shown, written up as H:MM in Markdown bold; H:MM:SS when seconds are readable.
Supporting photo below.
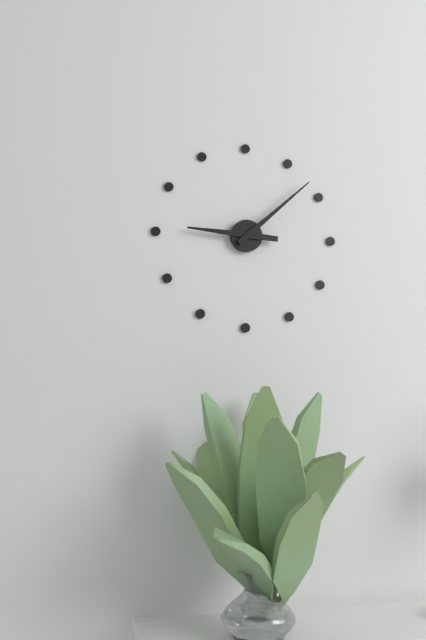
**9:08**
